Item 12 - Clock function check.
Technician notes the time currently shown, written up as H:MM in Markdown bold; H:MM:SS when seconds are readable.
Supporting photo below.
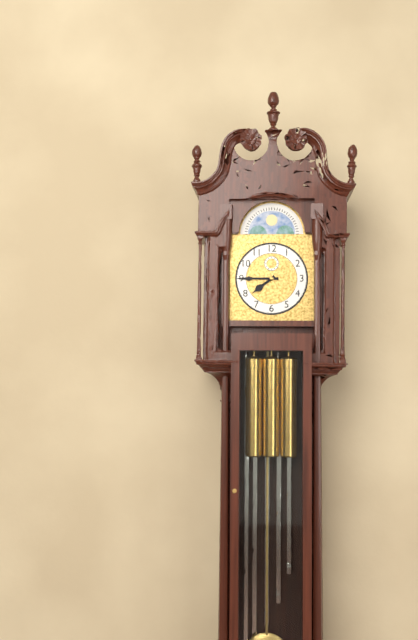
**7:45**
